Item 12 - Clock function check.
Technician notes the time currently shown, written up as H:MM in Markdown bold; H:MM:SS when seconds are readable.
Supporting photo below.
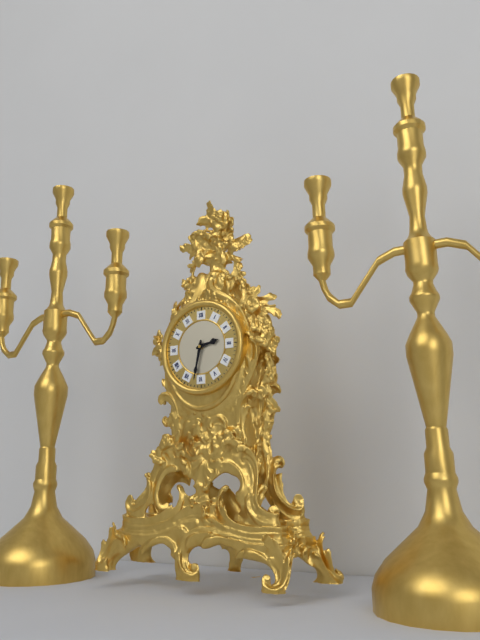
**2:32**
